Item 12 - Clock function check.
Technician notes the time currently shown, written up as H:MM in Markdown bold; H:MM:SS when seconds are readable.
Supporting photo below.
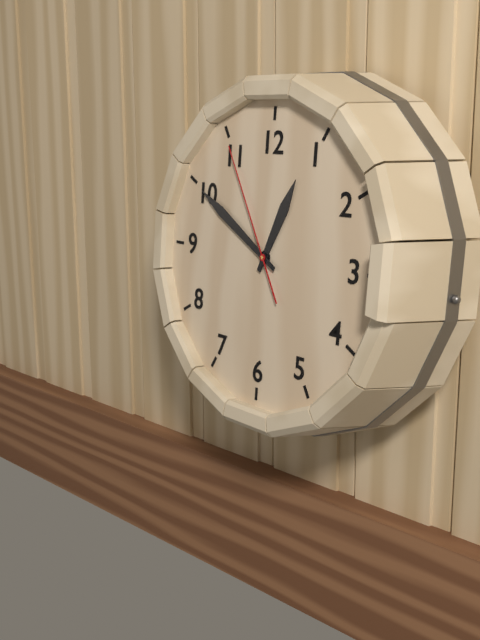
**12:50:55**
